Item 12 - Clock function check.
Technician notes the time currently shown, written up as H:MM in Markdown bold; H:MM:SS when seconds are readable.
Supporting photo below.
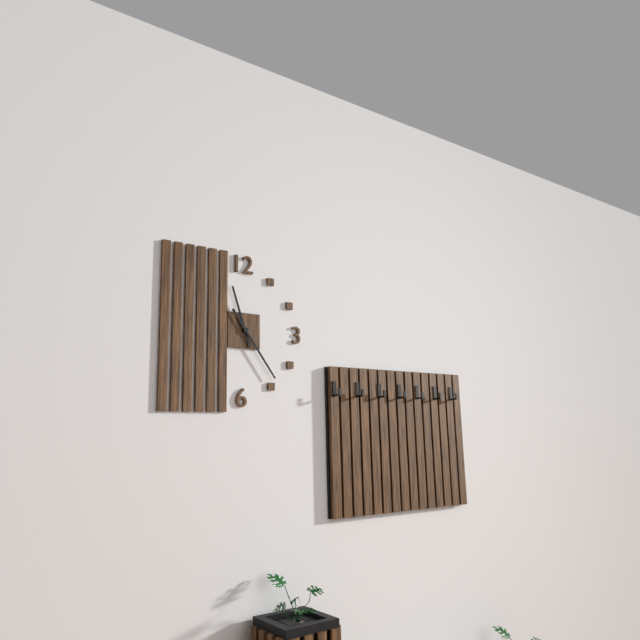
**11:24**
